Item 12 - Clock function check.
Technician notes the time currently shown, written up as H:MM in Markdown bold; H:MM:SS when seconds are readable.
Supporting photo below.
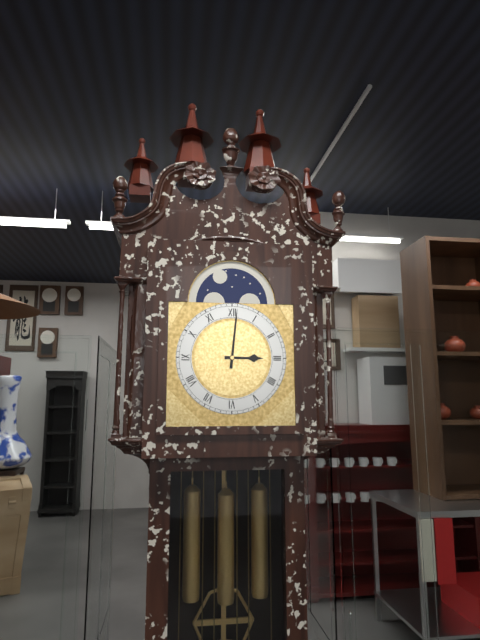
**3:01**
